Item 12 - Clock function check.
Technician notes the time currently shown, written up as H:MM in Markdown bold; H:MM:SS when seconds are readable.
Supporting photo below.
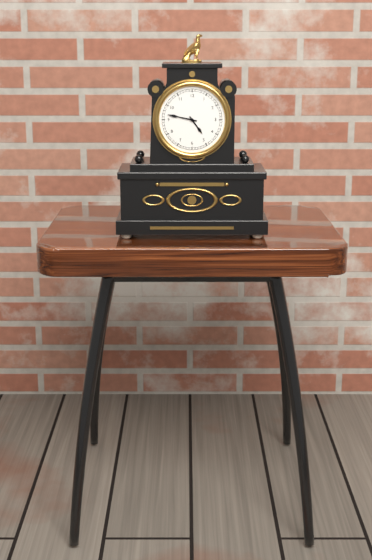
**4:47**
